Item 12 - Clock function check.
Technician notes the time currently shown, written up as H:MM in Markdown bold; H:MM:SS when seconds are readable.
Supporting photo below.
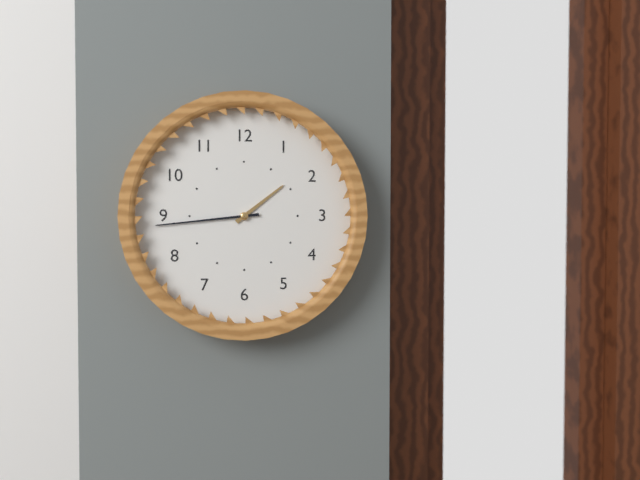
**1:44**
